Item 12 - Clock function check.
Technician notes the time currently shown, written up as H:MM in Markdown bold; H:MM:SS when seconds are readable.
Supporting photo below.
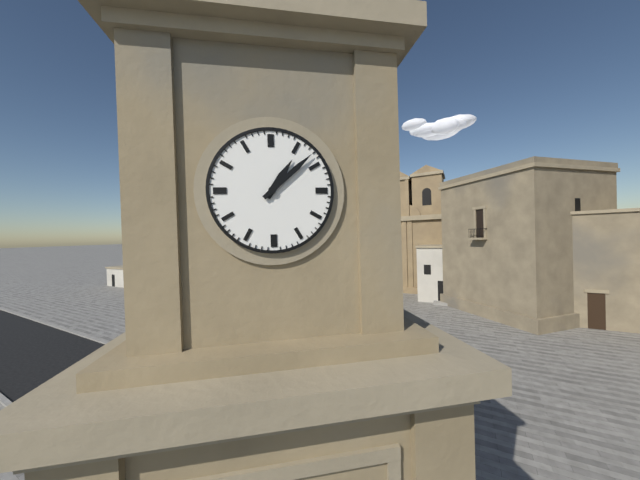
**1:08**
